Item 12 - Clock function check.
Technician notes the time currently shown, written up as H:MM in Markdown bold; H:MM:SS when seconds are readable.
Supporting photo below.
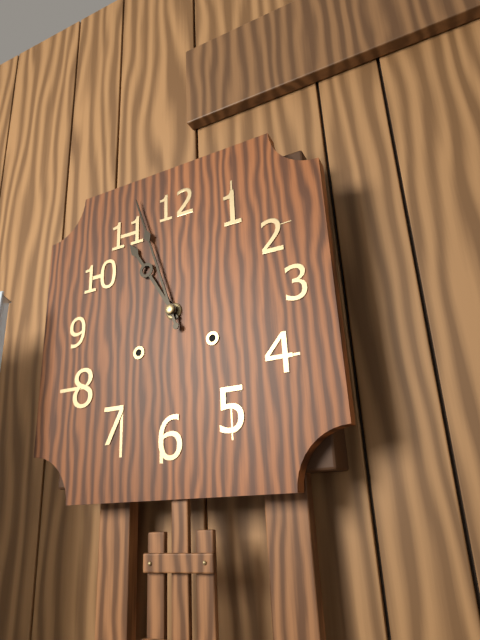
**10:57**
